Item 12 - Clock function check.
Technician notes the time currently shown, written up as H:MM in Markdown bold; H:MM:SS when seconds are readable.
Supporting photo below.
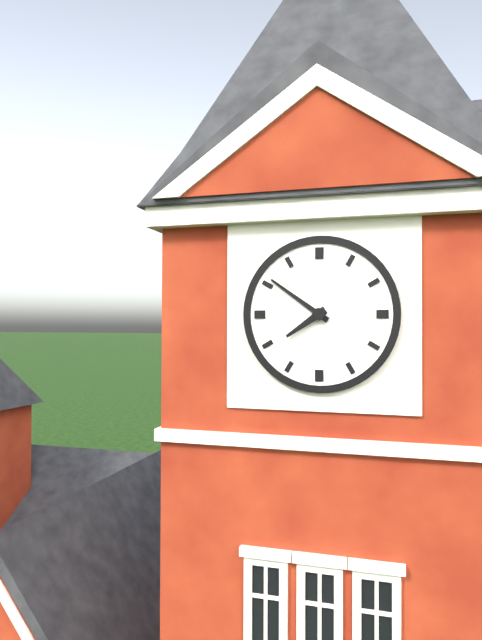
**7:51**
